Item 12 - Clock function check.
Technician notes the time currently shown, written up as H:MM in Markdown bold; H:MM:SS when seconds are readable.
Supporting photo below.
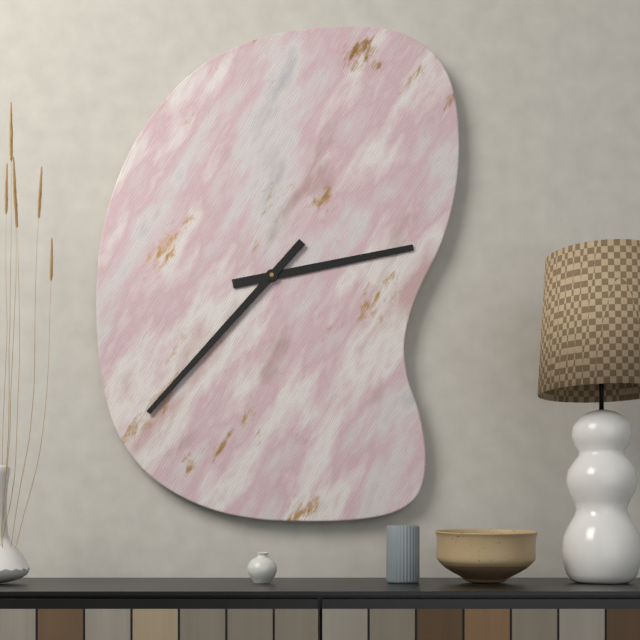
**2:37**
